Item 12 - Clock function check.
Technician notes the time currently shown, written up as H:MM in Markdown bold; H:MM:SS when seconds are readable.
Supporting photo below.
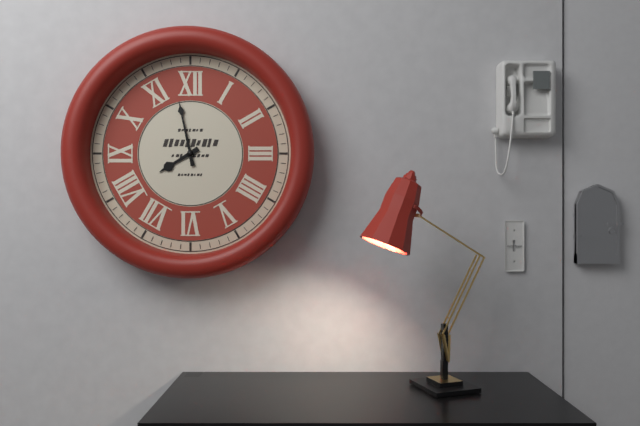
**7:58**
